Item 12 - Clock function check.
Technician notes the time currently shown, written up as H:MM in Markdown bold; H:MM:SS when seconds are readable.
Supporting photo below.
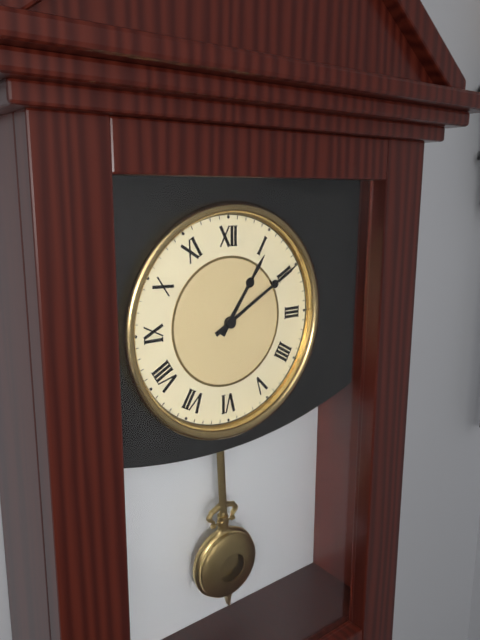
**1:10**
